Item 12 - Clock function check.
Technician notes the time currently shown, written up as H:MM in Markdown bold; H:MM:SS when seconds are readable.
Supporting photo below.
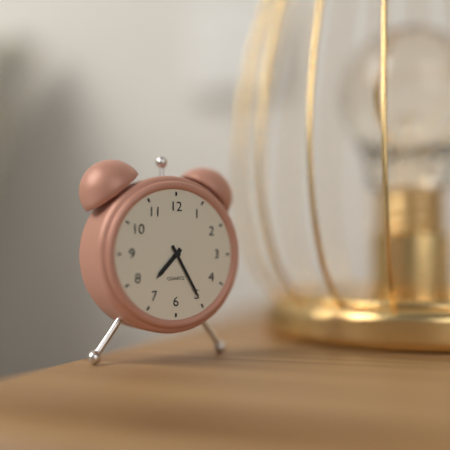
**7:25**
